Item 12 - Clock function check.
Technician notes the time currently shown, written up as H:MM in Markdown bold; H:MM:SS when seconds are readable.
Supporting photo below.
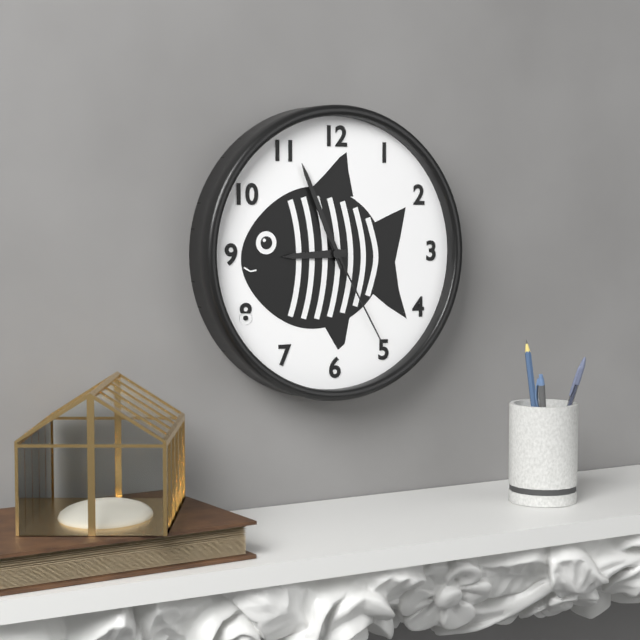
**8:56:25**
